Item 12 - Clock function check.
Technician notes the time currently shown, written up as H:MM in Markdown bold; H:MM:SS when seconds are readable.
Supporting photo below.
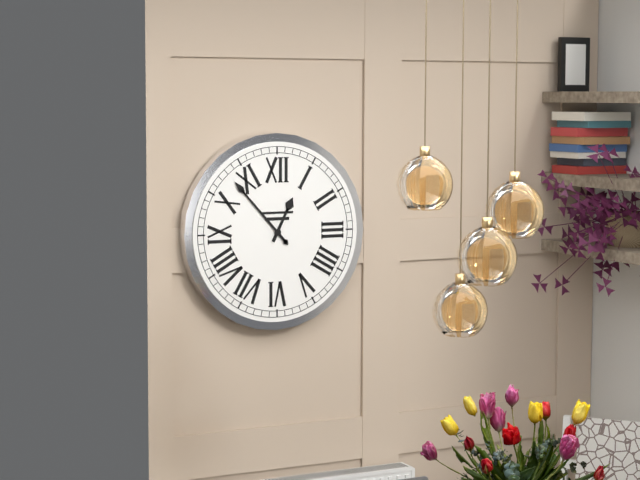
**12:53**
